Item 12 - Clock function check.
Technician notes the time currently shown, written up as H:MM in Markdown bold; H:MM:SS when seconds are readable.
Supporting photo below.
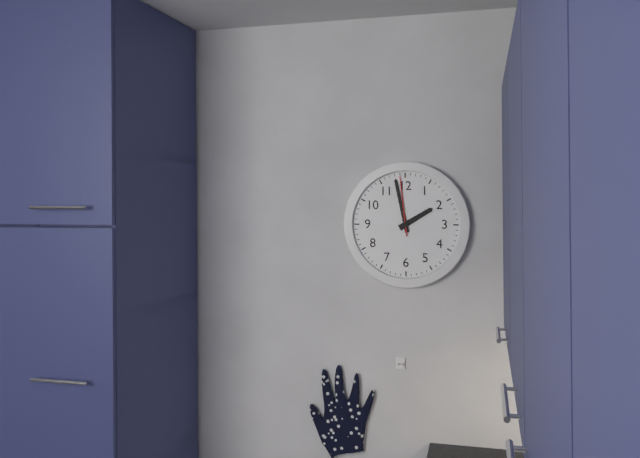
**1:58:59**
